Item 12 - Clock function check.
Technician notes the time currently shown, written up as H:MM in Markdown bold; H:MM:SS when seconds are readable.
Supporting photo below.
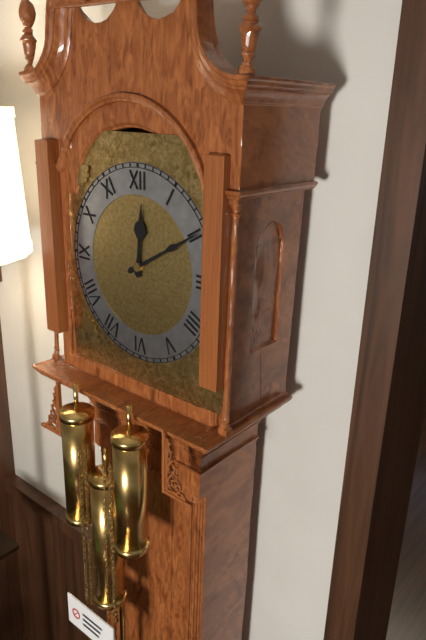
**12:10**
